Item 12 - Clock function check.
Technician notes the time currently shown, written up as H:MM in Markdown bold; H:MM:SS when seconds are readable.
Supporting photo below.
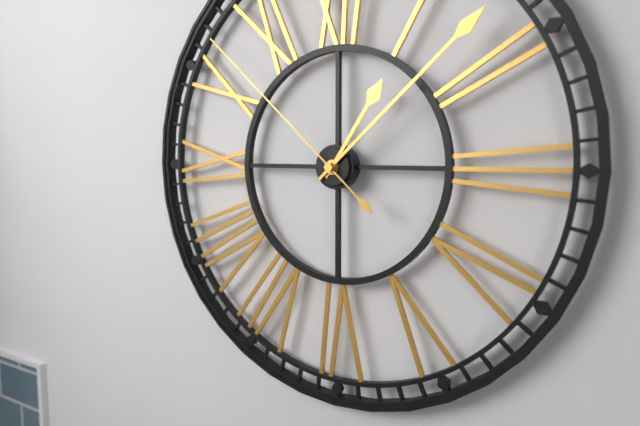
**1:08:52**
